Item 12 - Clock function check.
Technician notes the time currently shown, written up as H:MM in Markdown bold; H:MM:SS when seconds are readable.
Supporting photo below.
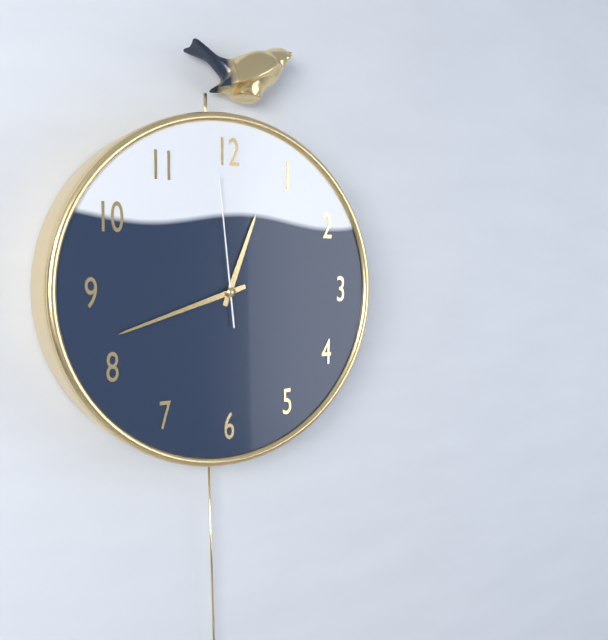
**12:42:59**
